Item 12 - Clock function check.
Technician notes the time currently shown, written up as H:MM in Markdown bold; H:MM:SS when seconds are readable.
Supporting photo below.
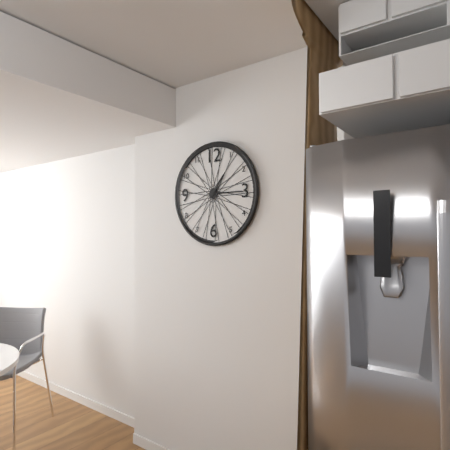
**1:15**
